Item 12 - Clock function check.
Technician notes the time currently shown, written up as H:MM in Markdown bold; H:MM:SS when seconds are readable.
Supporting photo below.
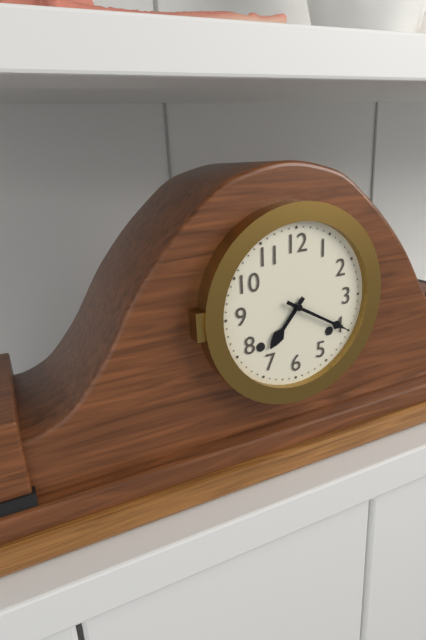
**7:20**
